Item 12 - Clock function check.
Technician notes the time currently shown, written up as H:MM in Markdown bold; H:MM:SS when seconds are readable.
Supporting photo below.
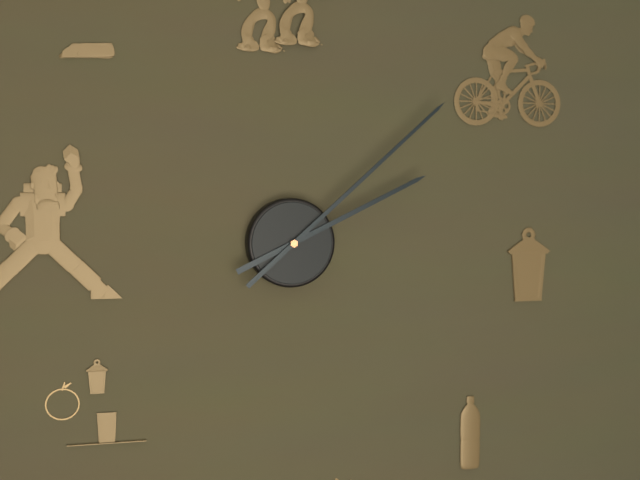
**2:08**
